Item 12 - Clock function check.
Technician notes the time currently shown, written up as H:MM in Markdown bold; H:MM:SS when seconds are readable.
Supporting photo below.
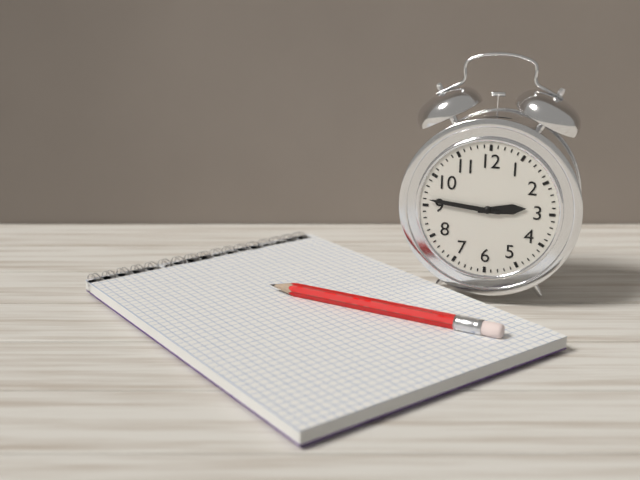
**2:46**
